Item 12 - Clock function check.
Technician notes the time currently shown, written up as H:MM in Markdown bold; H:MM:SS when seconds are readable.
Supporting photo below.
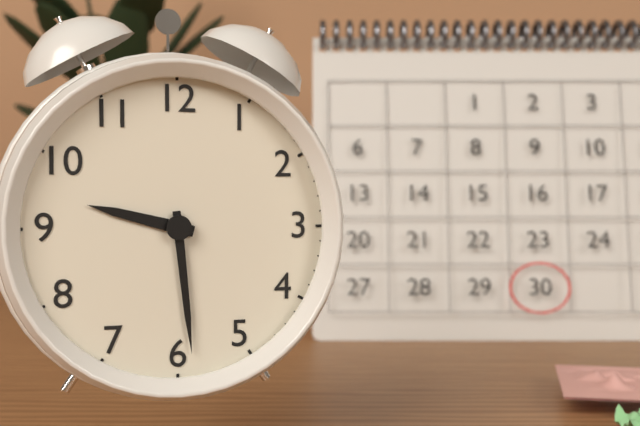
**9:29**
